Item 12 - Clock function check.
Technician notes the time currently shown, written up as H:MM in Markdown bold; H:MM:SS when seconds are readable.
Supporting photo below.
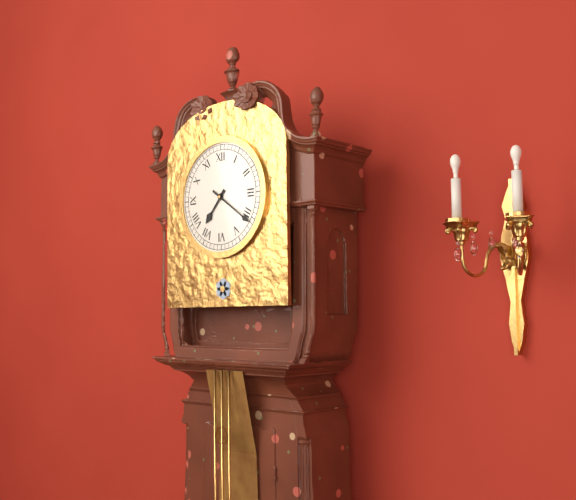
**7:21**
